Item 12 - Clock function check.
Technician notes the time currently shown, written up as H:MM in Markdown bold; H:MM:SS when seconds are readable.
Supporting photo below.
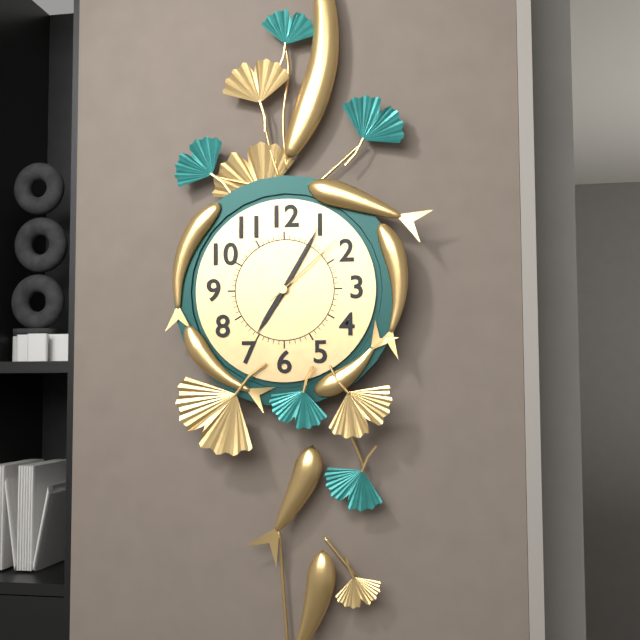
**7:05:08**
